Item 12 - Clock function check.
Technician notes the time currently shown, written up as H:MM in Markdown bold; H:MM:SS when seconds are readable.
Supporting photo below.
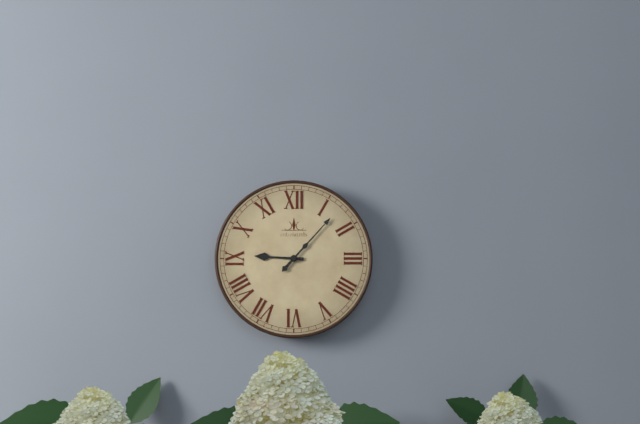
**9:07**
